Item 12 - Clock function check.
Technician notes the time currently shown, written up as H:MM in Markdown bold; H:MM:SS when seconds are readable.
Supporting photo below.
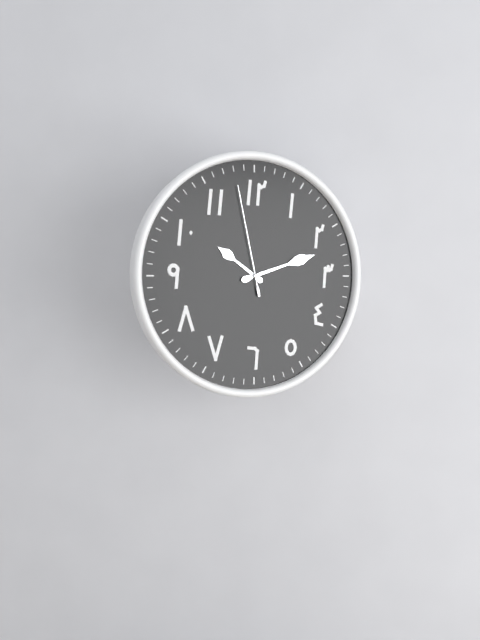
**10:12:58**
